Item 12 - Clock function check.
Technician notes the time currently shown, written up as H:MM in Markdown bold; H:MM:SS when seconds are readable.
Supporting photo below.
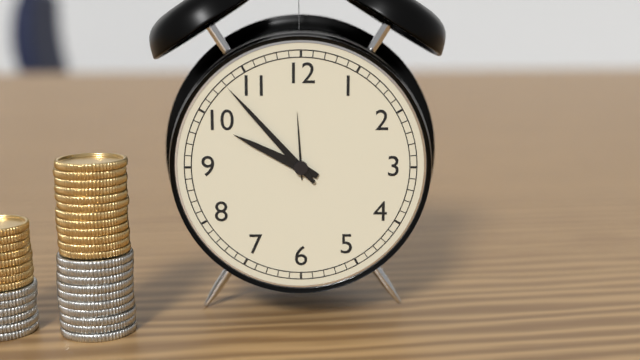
**9:53**
